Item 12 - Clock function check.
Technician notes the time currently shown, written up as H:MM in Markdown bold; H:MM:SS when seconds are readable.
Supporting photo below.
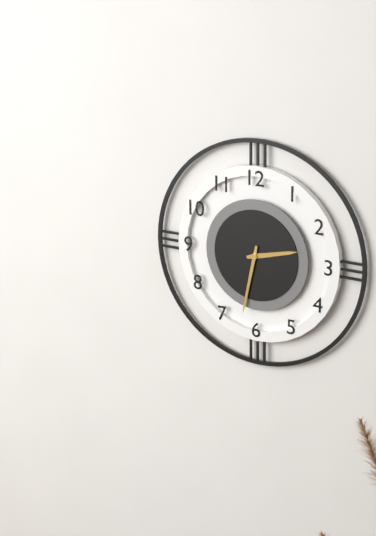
**2:32**
